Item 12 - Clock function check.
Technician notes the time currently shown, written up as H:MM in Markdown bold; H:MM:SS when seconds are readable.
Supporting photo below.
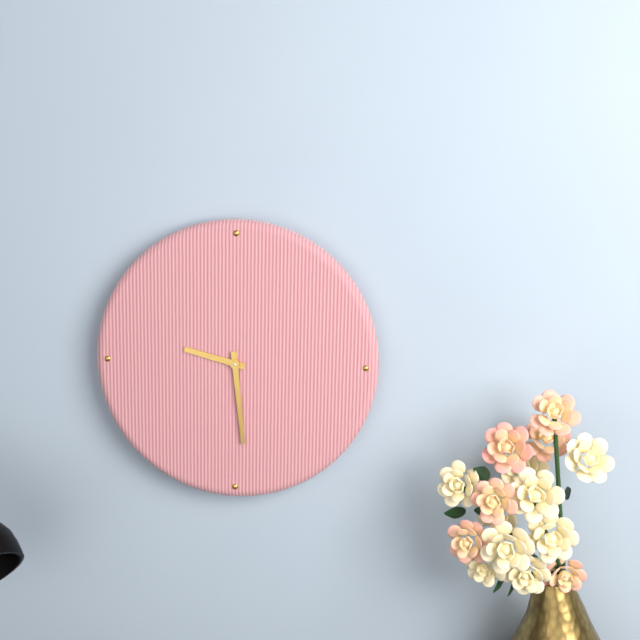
**9:29**
